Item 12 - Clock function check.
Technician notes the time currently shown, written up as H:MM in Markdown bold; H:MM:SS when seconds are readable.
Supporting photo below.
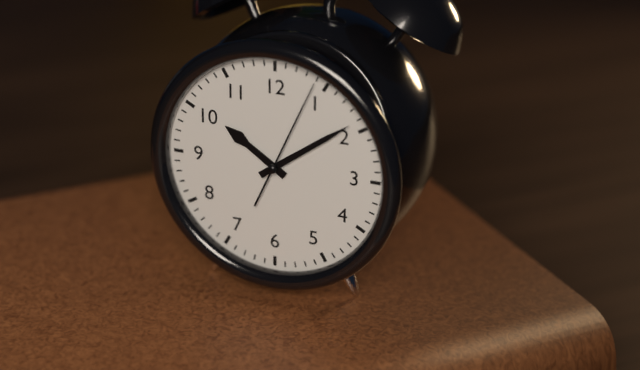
**10:09:04**
